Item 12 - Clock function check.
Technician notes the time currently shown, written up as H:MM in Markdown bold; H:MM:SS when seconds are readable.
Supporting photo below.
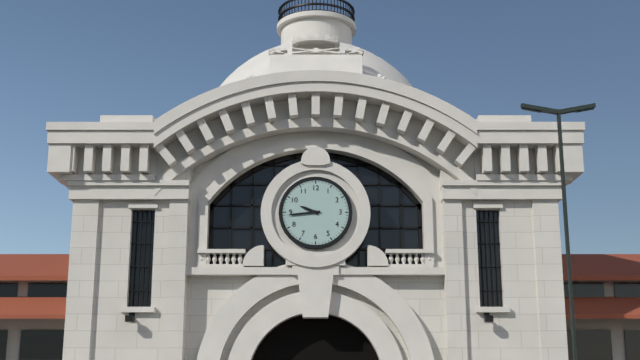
**9:44**
